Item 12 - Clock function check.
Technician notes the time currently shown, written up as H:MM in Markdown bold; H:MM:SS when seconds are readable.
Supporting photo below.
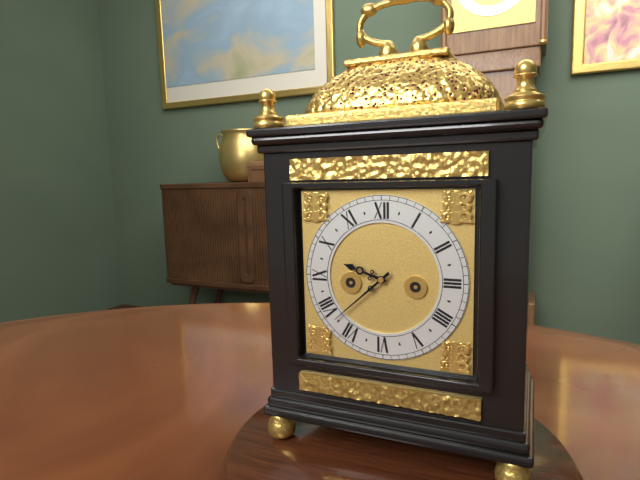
**9:38**
